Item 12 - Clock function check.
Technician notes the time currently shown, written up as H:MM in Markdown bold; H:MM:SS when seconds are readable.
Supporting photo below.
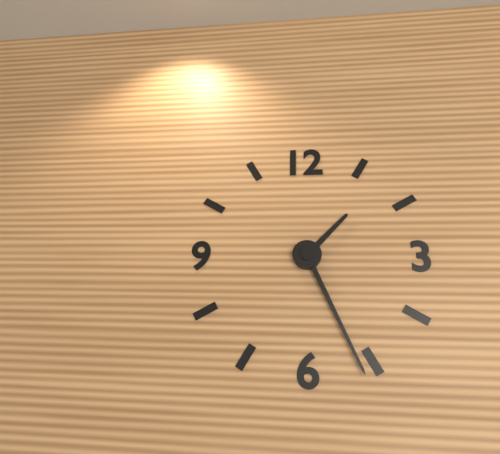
**1:26**
